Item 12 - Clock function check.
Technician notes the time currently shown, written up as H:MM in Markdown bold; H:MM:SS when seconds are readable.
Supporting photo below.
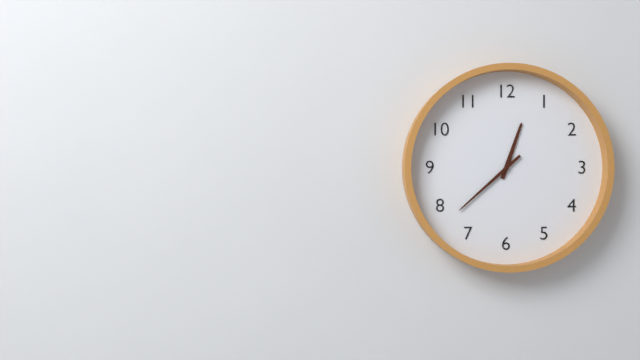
**12:38**
